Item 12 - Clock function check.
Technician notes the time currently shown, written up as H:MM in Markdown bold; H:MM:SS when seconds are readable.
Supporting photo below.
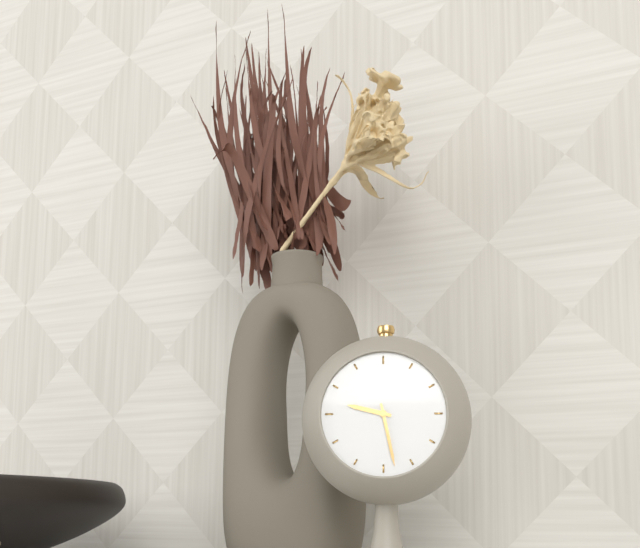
**9:28**
